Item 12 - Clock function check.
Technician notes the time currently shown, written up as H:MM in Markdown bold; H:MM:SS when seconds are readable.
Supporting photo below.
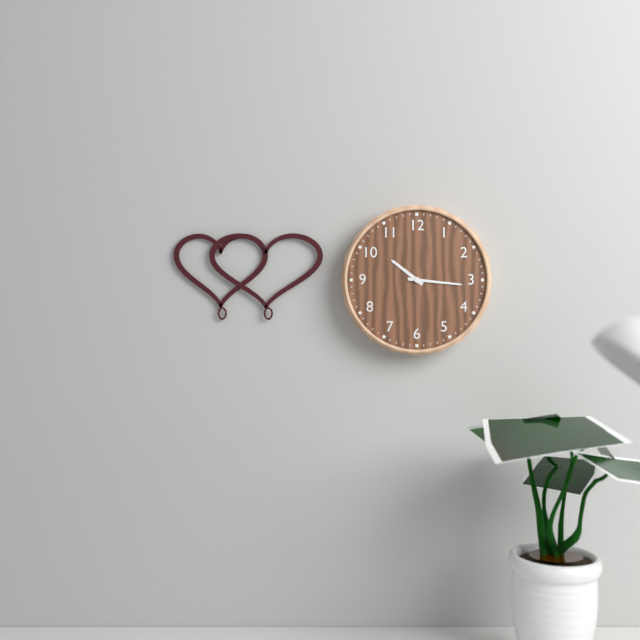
**10:16**
